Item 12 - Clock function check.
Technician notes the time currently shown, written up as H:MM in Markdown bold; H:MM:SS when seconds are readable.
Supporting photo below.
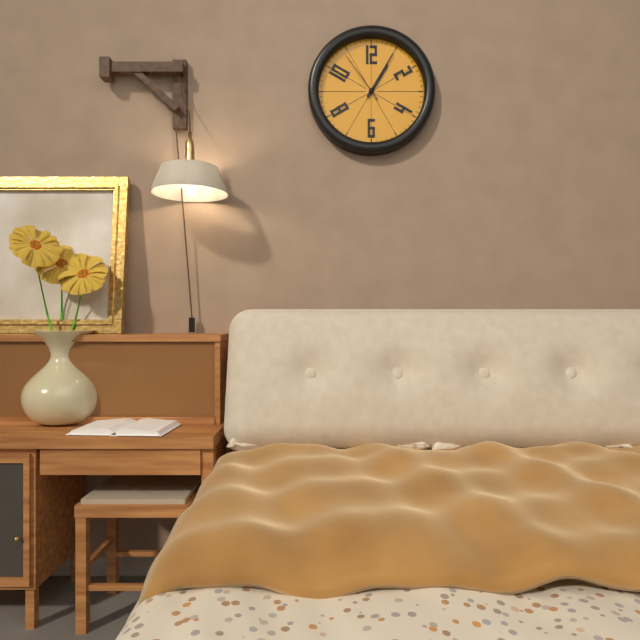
**1:05:54**
